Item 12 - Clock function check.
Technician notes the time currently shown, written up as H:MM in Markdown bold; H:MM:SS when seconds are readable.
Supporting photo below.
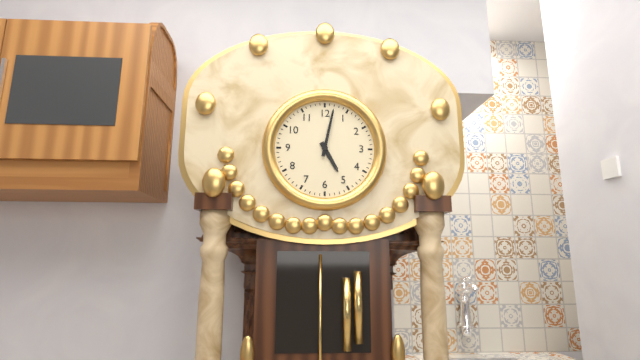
**5:02**
